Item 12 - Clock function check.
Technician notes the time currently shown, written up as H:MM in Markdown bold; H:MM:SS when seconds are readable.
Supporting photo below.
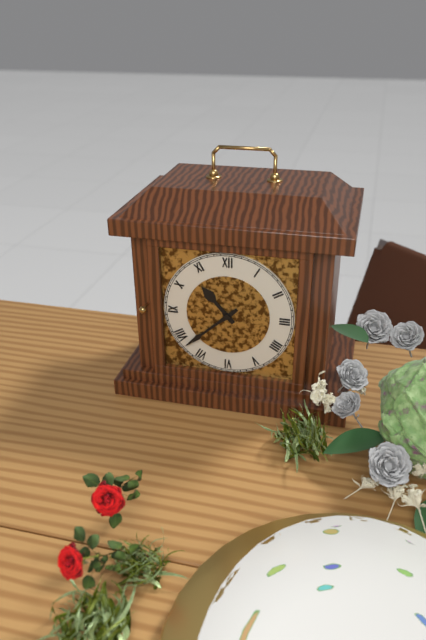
**10:38**
